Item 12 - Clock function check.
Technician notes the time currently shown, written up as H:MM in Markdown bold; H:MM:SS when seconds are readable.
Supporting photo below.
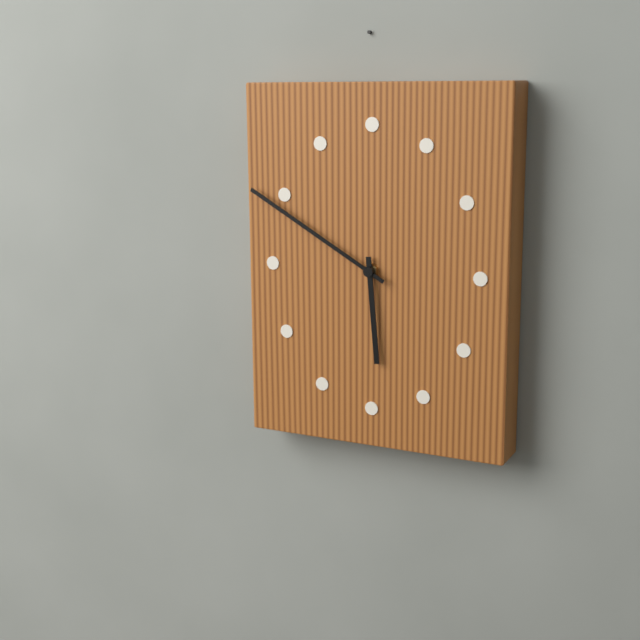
**5:50**
